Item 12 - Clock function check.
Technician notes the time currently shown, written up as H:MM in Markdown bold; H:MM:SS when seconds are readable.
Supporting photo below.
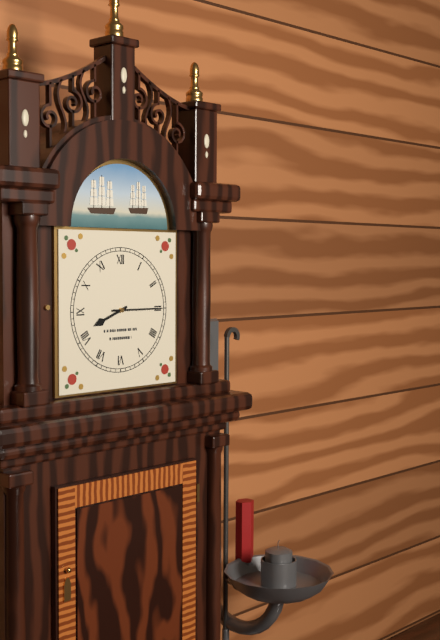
**8:15**
